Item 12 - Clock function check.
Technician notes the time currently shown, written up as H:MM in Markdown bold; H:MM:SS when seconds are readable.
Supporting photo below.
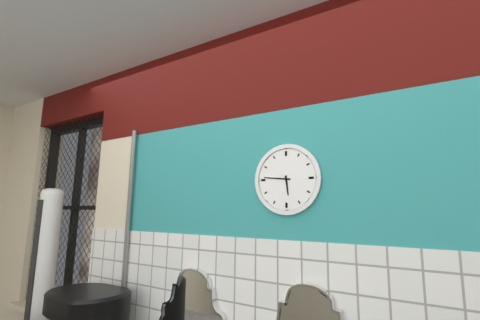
**5:46**
